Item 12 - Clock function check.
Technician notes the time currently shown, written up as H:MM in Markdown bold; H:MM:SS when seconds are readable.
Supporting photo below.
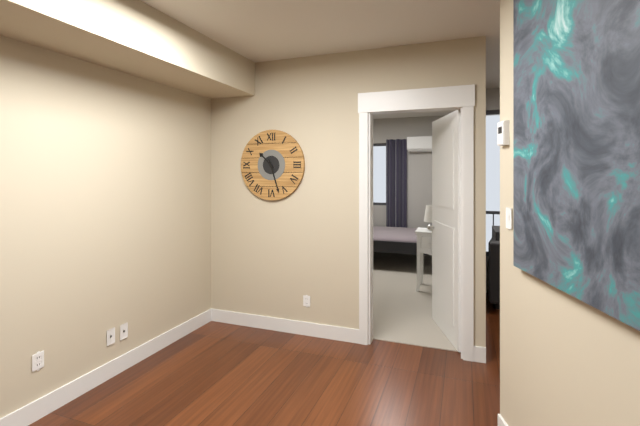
**10:27**
